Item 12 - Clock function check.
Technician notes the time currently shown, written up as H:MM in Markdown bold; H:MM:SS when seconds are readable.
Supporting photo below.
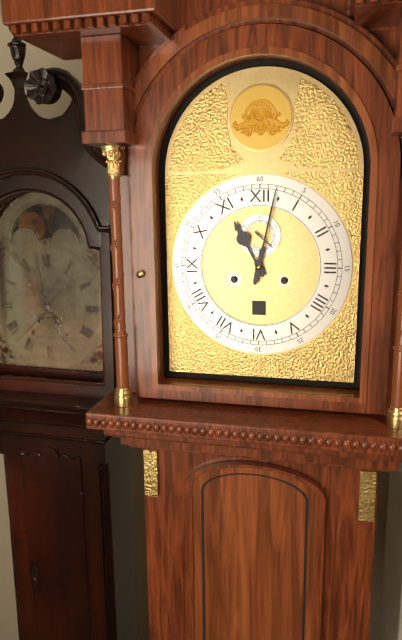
**11:02**
